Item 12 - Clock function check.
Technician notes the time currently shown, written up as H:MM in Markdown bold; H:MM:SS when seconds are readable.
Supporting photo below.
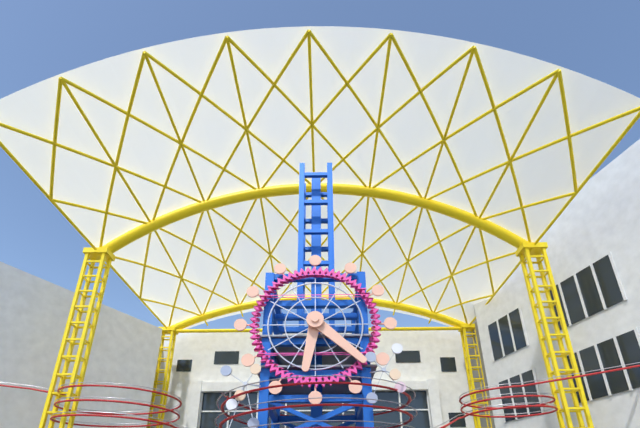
**6:22**
